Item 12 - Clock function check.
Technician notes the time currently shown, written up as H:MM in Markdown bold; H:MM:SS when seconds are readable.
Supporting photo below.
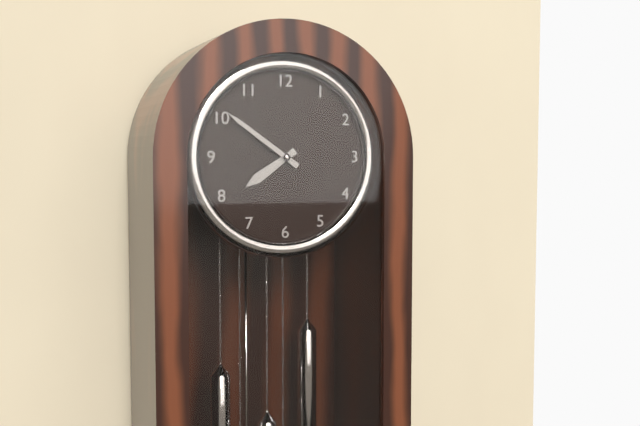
**7:51**
